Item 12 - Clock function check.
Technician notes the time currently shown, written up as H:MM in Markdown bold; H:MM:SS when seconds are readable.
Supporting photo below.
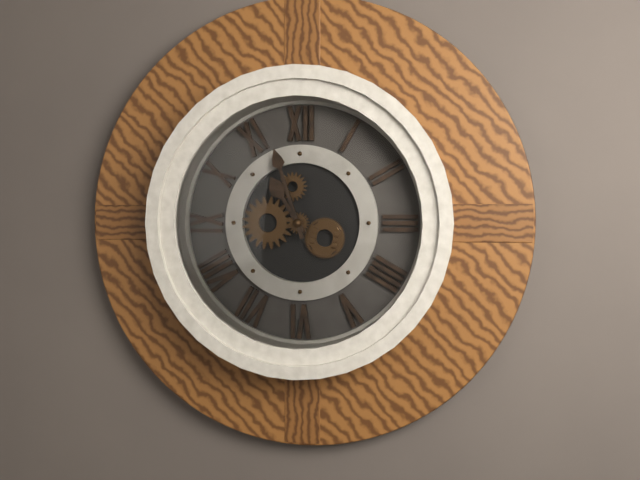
**10:57**
